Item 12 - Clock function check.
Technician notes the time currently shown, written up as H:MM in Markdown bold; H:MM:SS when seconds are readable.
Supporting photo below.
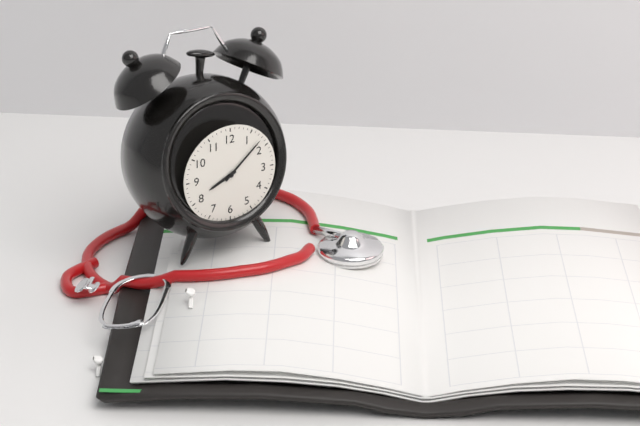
**8:08**
